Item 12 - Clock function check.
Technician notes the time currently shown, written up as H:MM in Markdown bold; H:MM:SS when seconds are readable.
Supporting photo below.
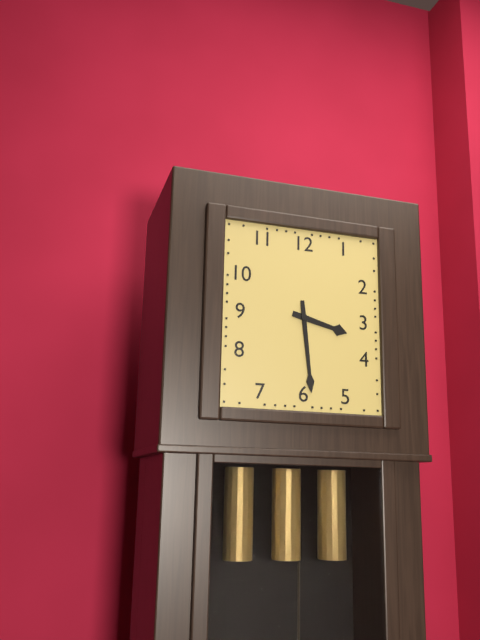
**3:29**
